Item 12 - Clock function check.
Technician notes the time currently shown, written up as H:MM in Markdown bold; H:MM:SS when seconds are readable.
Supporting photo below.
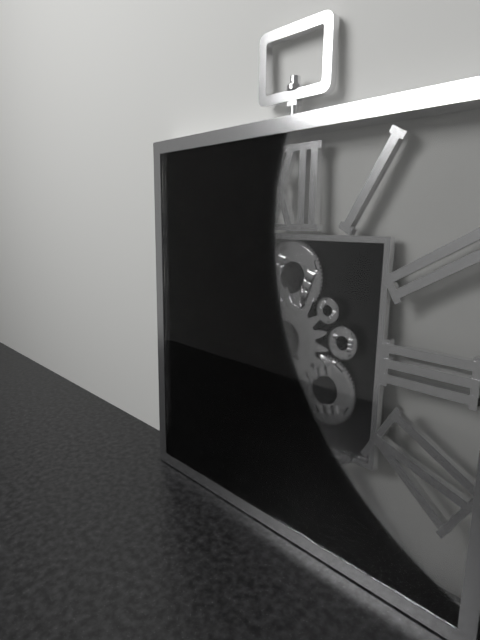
**10:54**
